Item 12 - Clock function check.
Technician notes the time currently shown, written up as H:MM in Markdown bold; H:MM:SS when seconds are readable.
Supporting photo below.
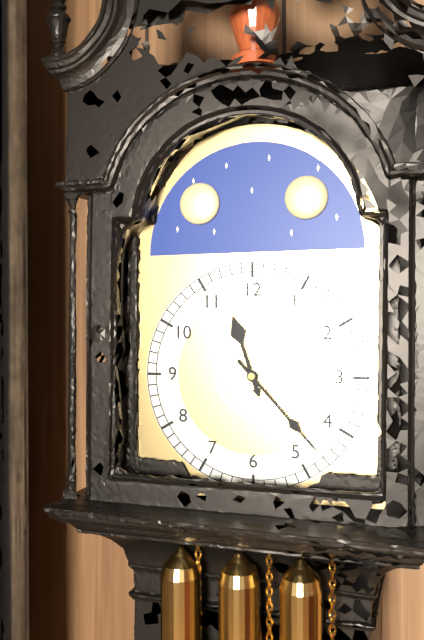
**11:23**
